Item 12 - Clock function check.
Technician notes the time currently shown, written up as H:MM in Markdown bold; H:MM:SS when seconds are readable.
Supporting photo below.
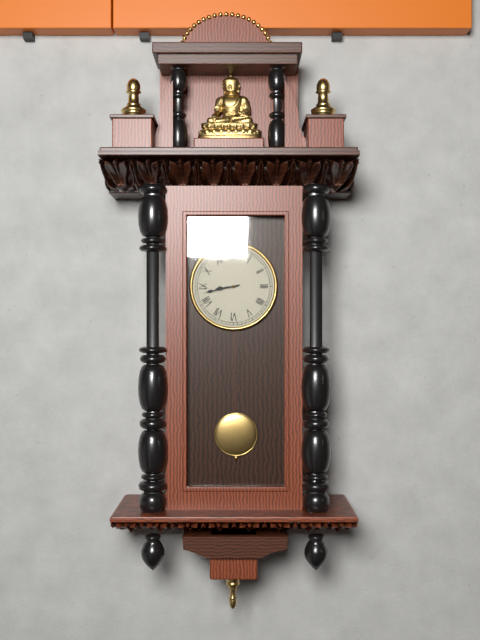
**8:43**
